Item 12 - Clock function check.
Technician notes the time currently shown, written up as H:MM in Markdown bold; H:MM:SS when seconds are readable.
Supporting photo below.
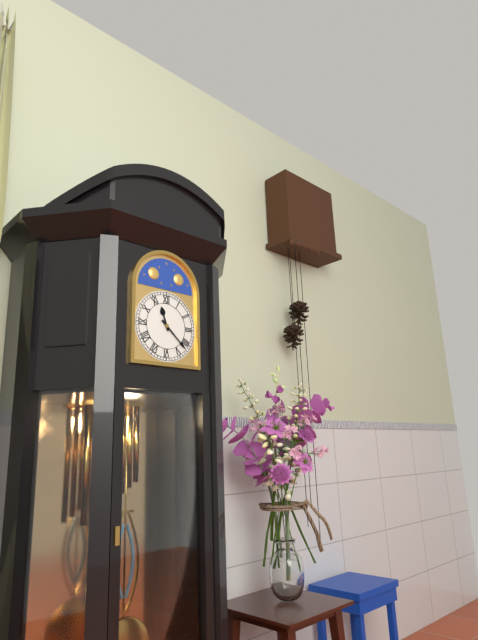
**11:22**
